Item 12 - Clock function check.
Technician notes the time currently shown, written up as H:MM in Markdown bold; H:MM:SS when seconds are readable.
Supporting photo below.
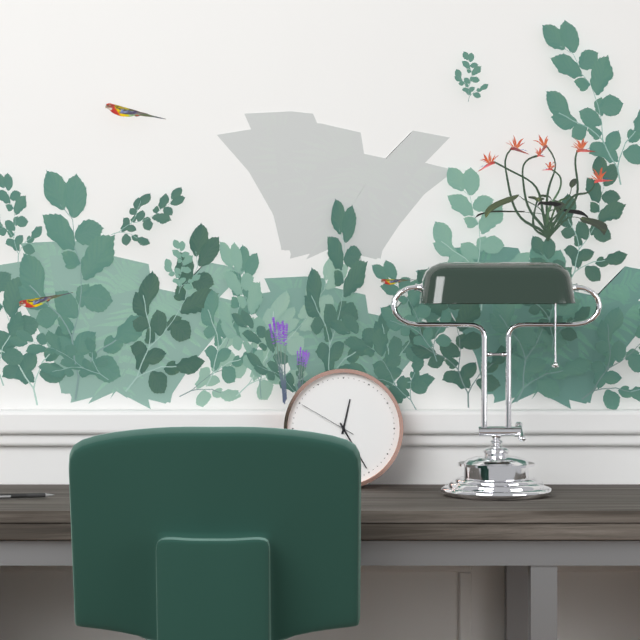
**12:25:50**
